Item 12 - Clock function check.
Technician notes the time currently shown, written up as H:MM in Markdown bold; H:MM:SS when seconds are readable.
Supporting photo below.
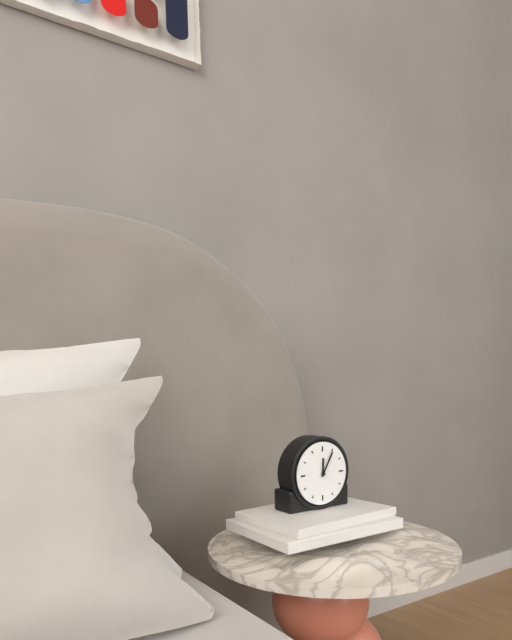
**12:05**
